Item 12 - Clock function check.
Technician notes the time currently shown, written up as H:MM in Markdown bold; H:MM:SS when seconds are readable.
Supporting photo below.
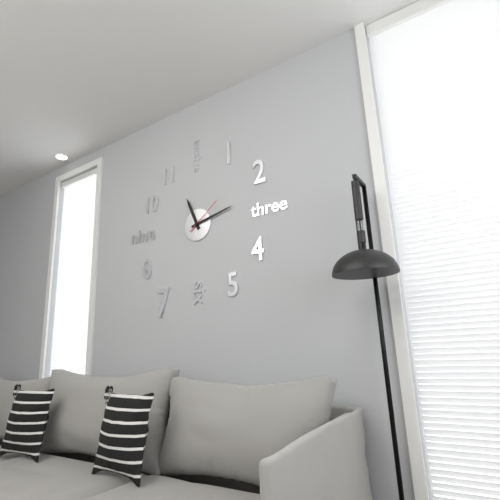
**11:13**
